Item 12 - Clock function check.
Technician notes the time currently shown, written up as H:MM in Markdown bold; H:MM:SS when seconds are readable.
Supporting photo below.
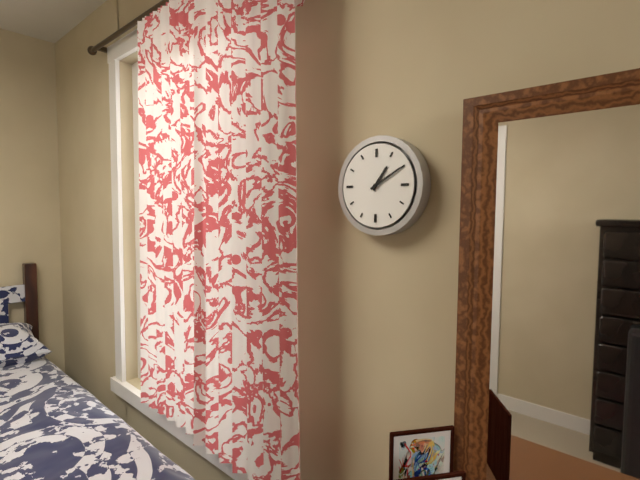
**1:10**
